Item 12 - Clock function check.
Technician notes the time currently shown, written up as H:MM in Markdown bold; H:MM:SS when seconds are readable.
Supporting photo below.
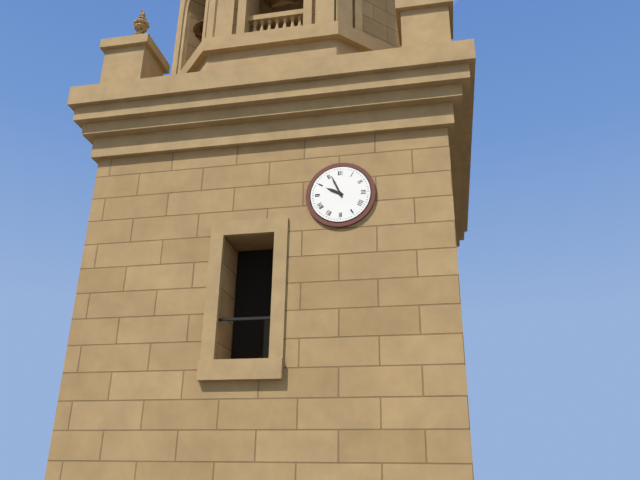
**9:56**
